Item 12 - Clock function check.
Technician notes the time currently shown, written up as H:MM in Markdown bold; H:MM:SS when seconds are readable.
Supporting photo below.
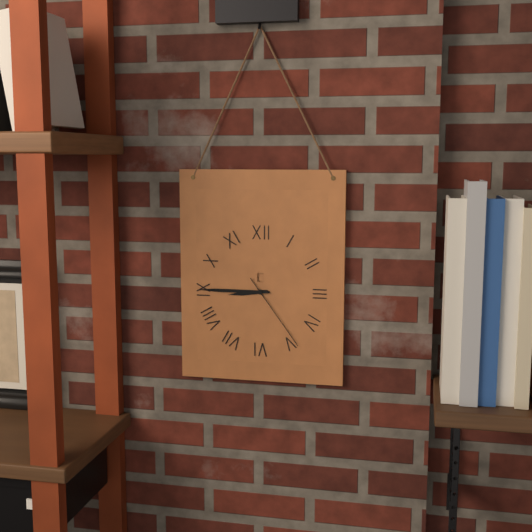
**8:45:24**
